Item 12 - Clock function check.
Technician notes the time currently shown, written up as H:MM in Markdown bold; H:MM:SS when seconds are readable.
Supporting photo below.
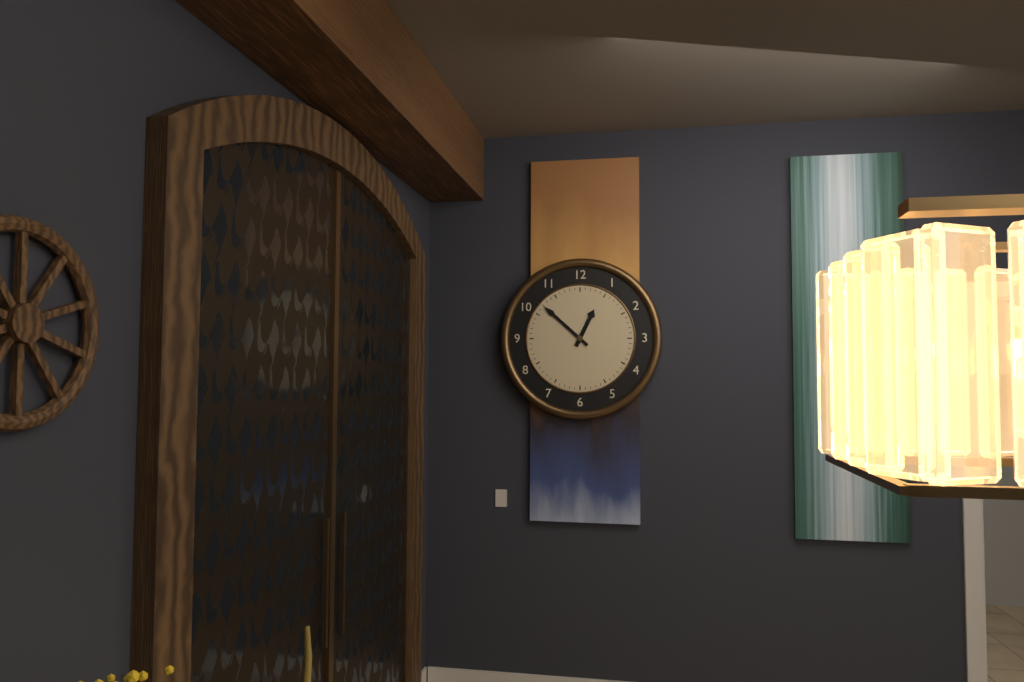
**12:52**
